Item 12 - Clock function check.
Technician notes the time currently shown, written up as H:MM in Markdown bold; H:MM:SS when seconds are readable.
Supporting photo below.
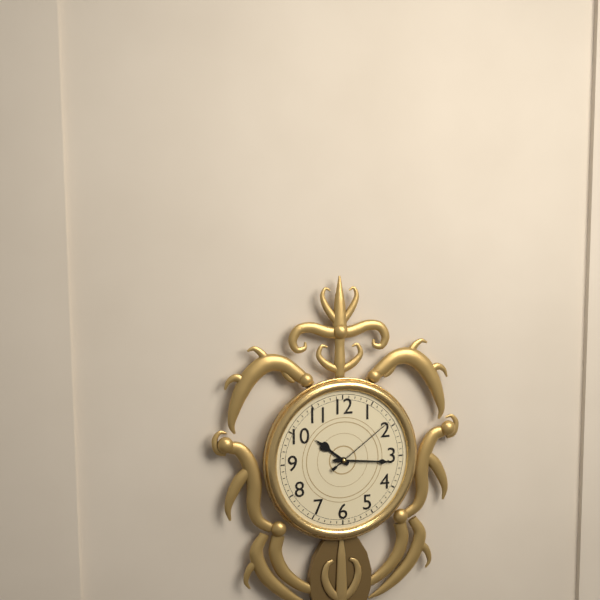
**10:16:09**
